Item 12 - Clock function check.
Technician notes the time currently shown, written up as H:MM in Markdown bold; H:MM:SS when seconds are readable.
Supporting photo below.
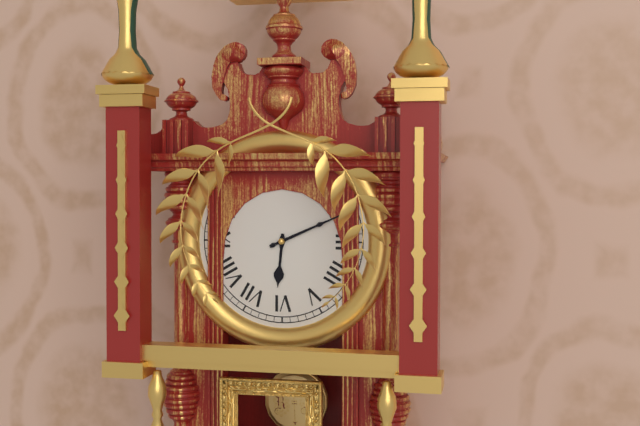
**6:11**
